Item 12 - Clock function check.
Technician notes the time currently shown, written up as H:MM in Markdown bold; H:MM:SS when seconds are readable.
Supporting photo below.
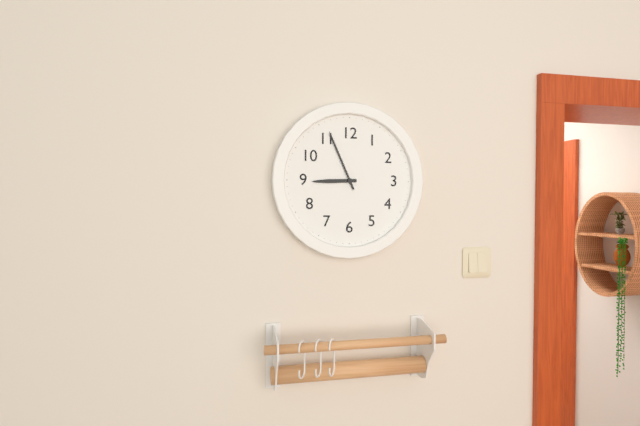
**8:56**
